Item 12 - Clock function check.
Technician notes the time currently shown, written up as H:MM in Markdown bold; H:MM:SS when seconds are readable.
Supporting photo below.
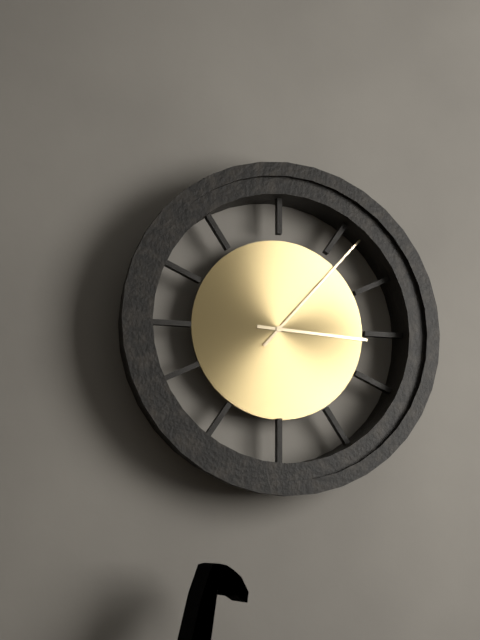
**3:07**
